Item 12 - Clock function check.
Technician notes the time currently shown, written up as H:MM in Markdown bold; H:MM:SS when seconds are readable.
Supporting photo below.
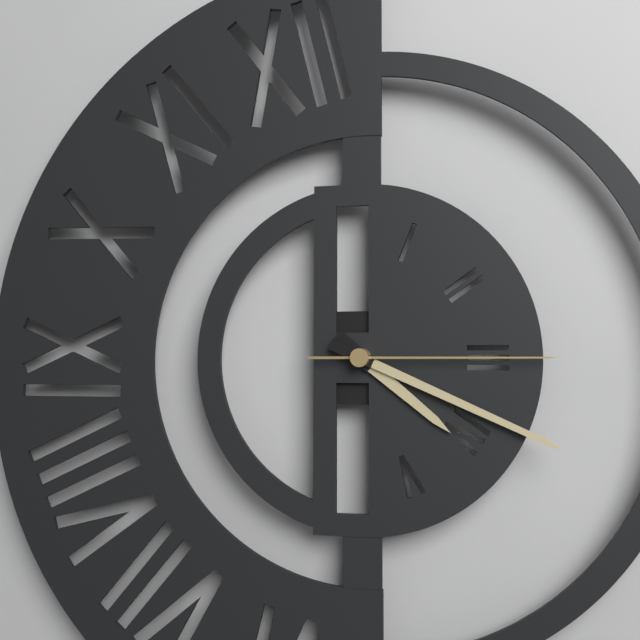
**4:19:15**
